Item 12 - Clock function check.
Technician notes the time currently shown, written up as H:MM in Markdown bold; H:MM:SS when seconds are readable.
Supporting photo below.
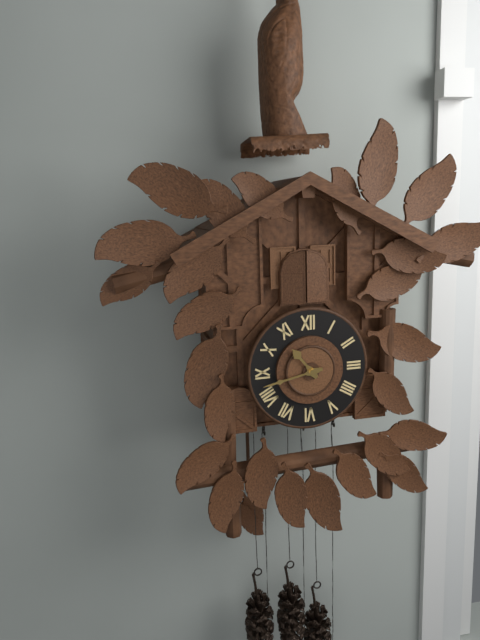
**10:43**
